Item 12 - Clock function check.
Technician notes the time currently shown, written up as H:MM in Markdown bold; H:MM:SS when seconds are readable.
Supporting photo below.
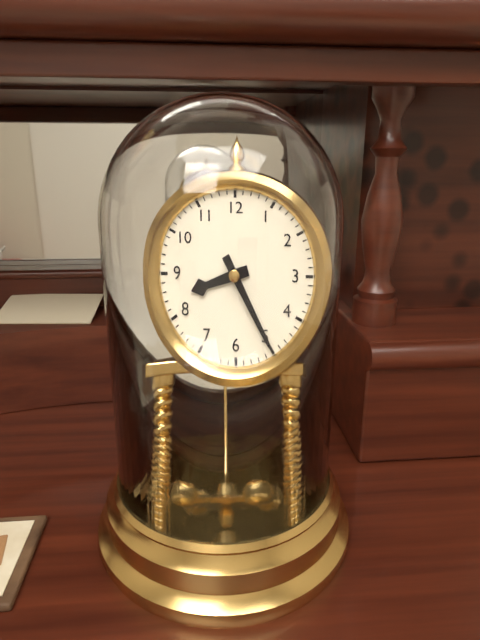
**8:25**
